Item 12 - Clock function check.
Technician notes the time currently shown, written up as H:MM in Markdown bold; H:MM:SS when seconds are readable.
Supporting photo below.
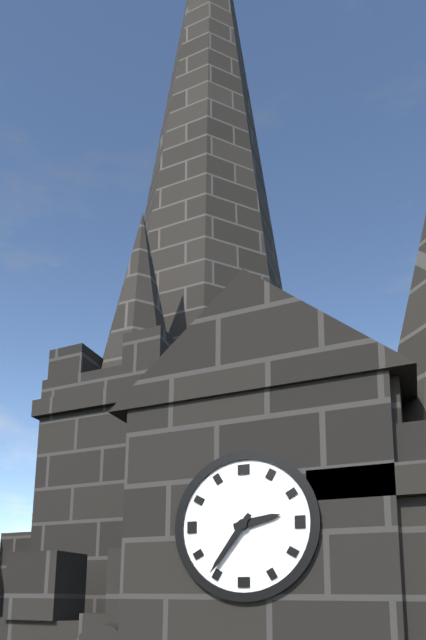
**2:36**
